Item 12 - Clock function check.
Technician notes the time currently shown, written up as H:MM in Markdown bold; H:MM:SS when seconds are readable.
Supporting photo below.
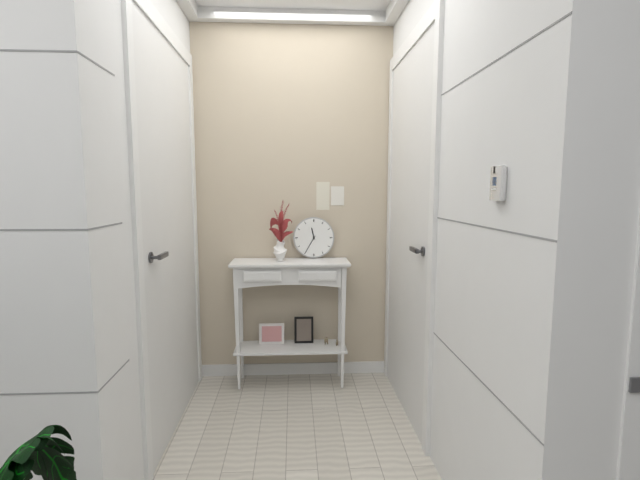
**11:35**
